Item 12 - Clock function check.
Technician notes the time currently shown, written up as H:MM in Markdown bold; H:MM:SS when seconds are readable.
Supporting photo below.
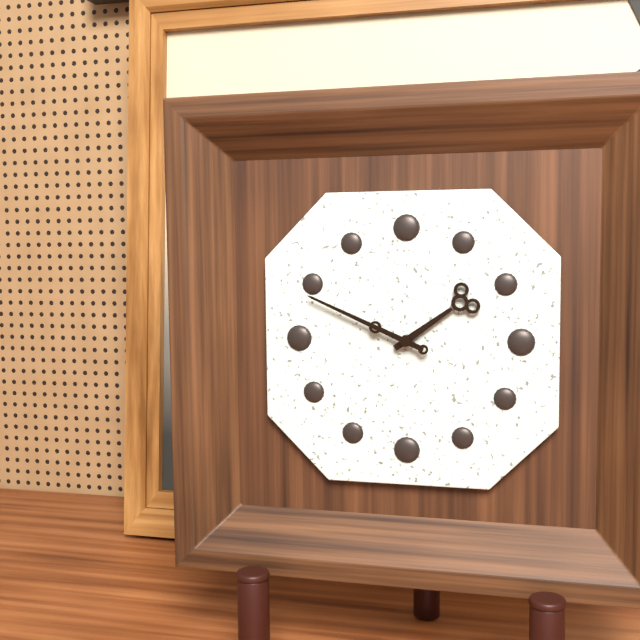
**1:49**
